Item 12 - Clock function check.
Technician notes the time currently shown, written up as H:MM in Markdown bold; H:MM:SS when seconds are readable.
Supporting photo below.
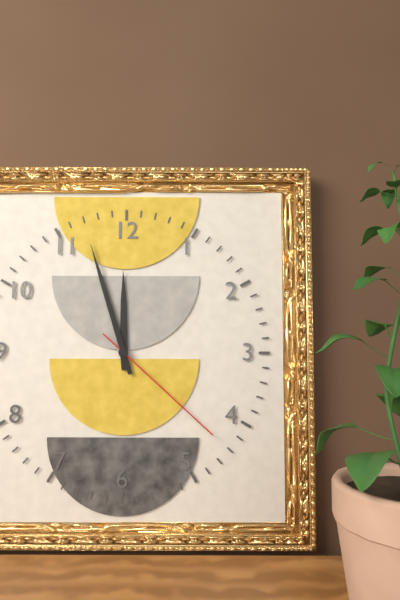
**11:57:22**
